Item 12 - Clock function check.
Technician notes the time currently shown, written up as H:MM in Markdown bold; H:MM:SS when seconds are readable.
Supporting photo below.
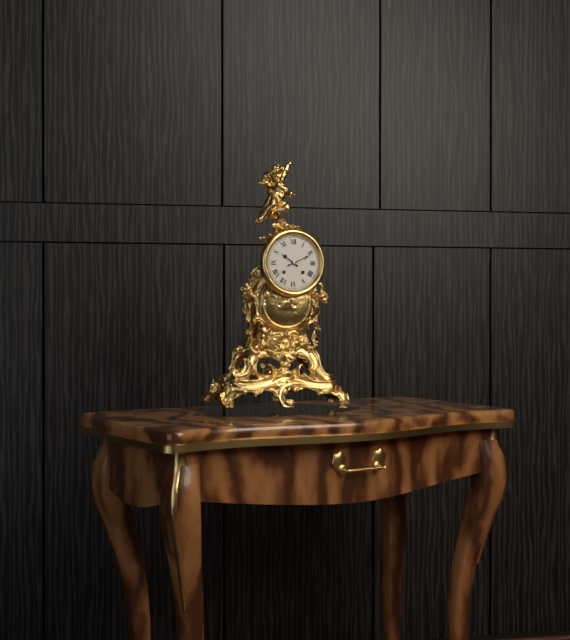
**10:11**
